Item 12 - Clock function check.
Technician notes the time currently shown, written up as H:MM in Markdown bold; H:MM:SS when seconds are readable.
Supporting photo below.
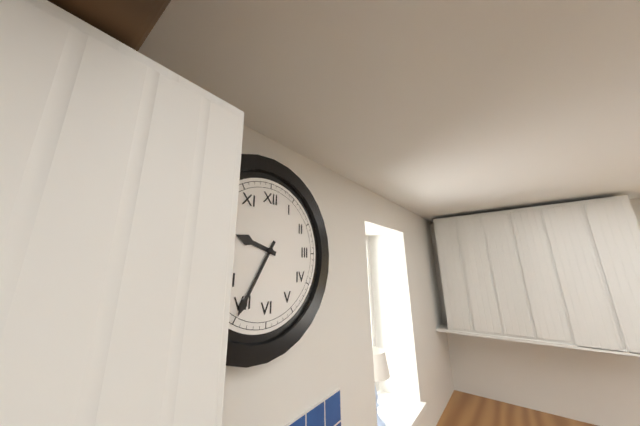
**9:35**
